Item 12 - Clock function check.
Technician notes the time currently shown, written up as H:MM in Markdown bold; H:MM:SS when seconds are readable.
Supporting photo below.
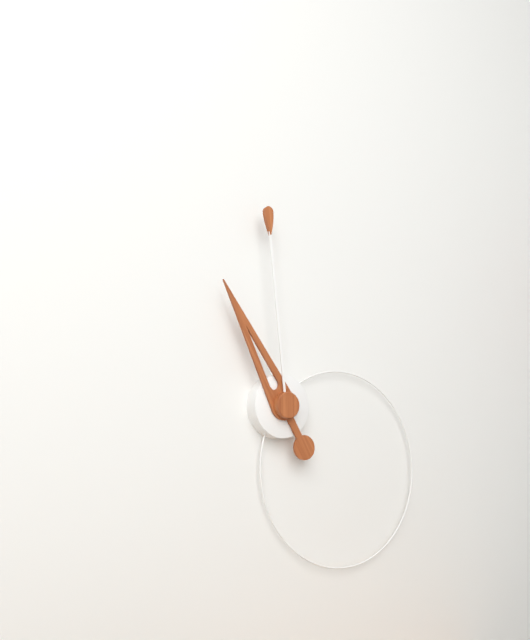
**10:59**
